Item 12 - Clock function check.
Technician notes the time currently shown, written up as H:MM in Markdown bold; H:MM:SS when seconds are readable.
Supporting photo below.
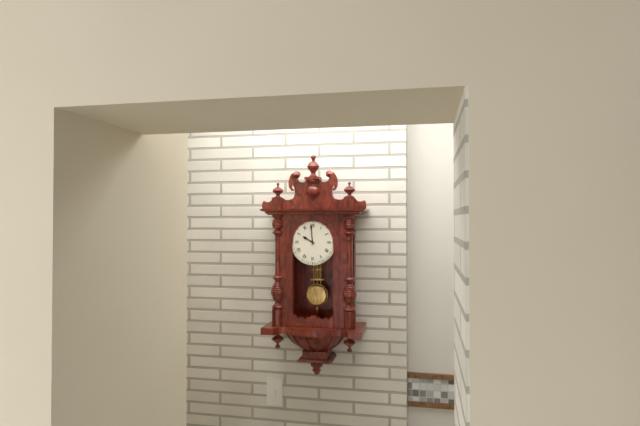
**9:59**
